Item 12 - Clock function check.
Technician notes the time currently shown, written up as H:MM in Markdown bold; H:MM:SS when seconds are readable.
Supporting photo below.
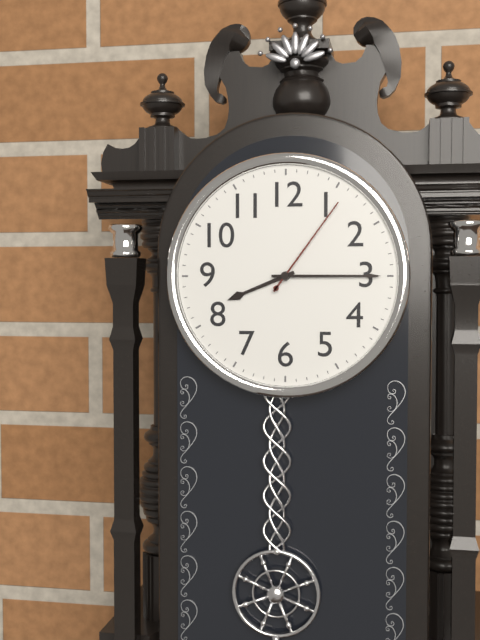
**8:15:06**
